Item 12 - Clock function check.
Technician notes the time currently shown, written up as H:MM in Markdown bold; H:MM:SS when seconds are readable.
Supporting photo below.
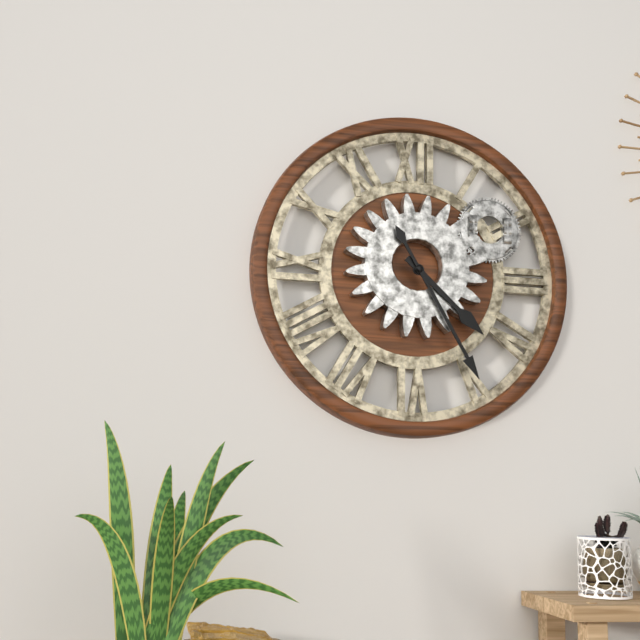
**4:25**
